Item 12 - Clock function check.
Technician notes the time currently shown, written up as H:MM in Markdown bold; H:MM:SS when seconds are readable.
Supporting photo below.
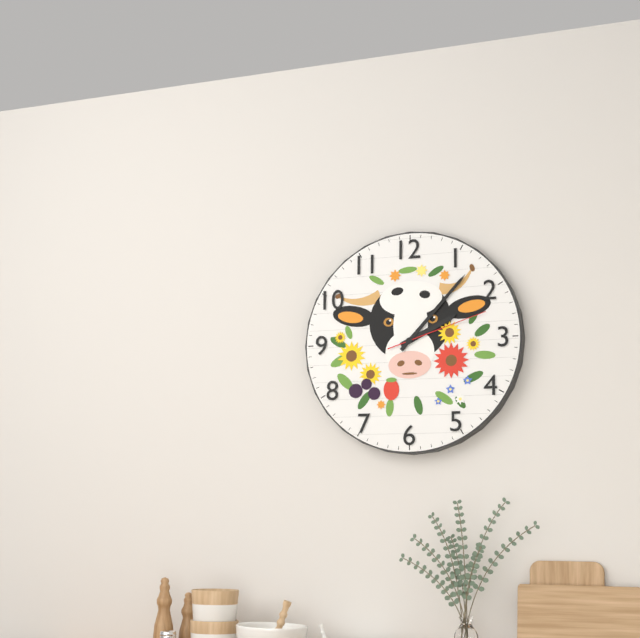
**2:07:12**
